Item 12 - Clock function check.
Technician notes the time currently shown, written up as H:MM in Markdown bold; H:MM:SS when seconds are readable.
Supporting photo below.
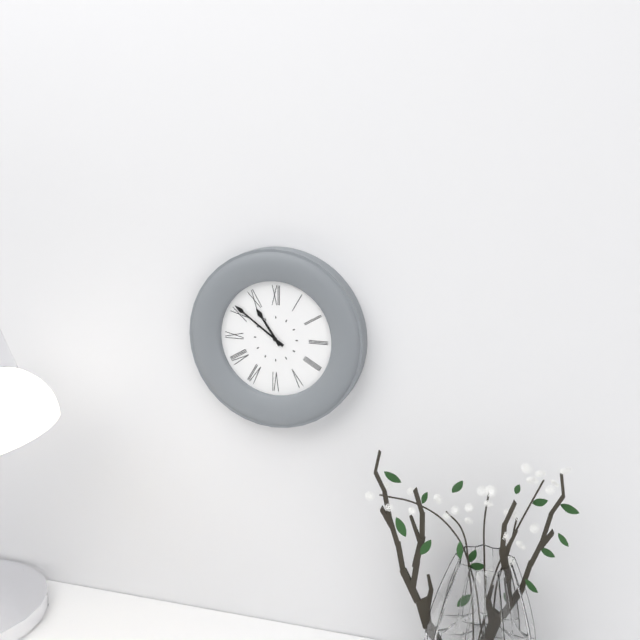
**10:51**
